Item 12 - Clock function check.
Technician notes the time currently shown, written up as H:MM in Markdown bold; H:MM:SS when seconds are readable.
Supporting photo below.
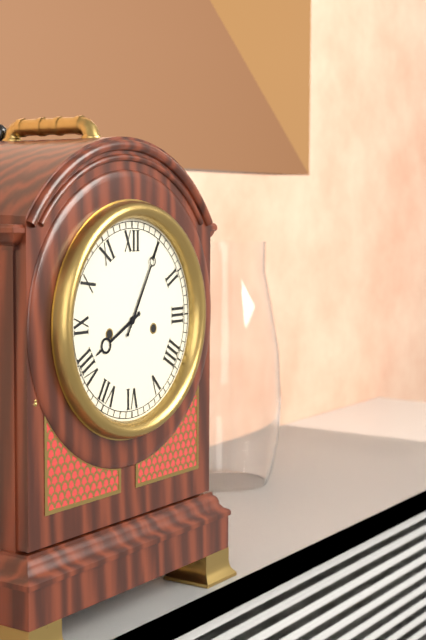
**8:05**
